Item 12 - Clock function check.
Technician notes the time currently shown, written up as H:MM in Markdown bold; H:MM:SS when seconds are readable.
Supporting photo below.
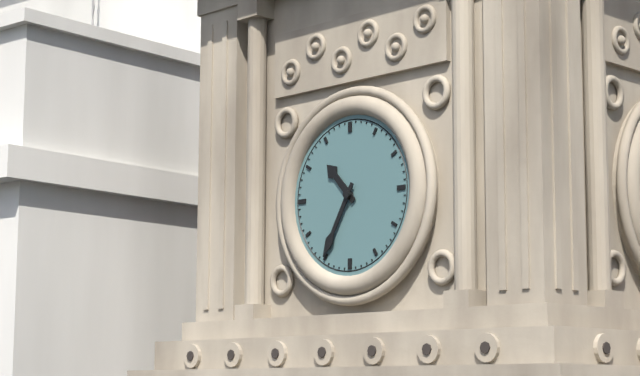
**10:35**
